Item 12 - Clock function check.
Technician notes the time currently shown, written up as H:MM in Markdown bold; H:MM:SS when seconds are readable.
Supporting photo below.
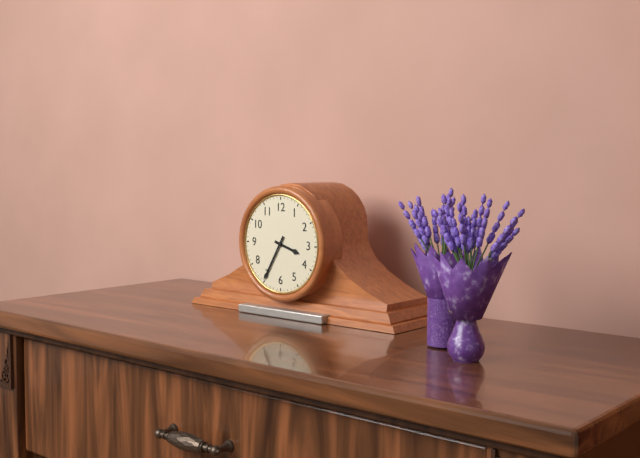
**3:35**
